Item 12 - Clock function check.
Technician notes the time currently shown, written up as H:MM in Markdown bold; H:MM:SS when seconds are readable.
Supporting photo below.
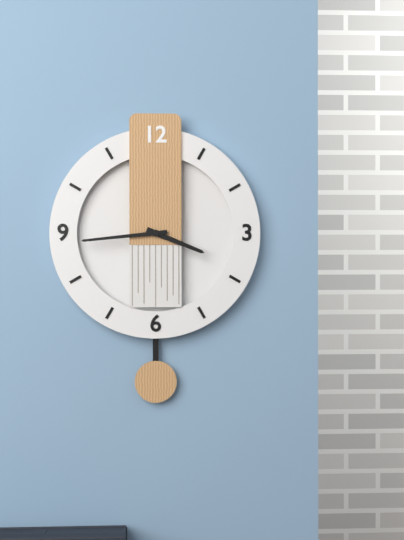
**3:44**
